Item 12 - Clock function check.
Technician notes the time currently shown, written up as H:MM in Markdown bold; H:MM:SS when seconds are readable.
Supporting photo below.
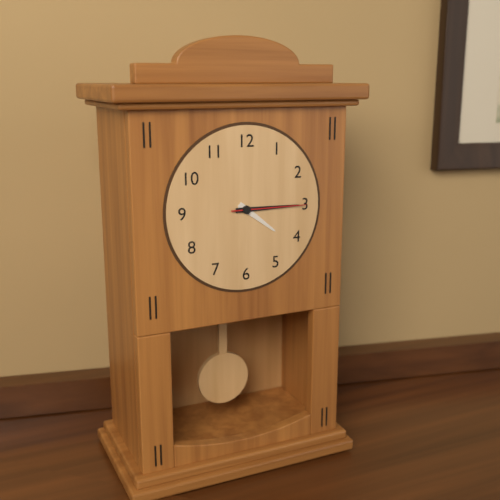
**4:15:15**
